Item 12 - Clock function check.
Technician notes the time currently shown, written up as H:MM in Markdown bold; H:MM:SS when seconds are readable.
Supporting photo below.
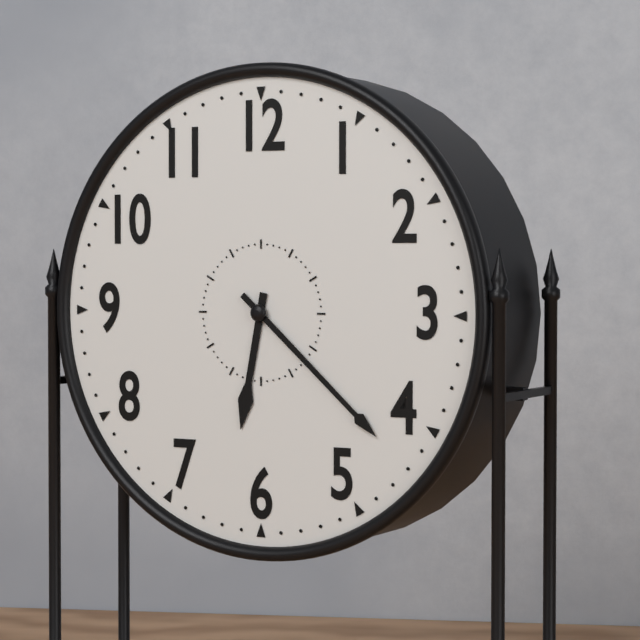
**6:22**
